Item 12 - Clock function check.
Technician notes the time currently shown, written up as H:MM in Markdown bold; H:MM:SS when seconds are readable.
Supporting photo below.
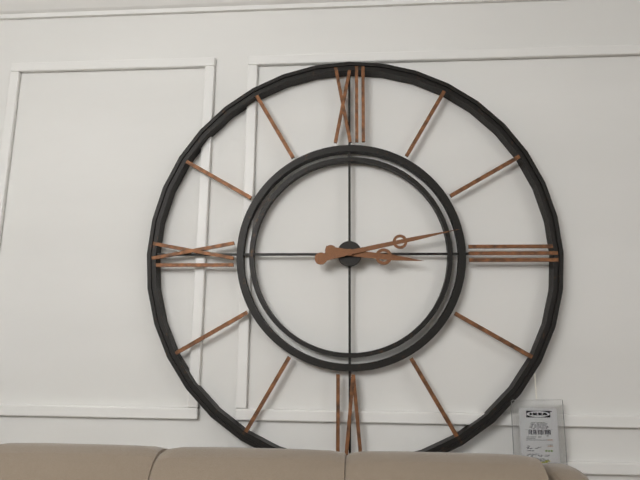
**3:13**
